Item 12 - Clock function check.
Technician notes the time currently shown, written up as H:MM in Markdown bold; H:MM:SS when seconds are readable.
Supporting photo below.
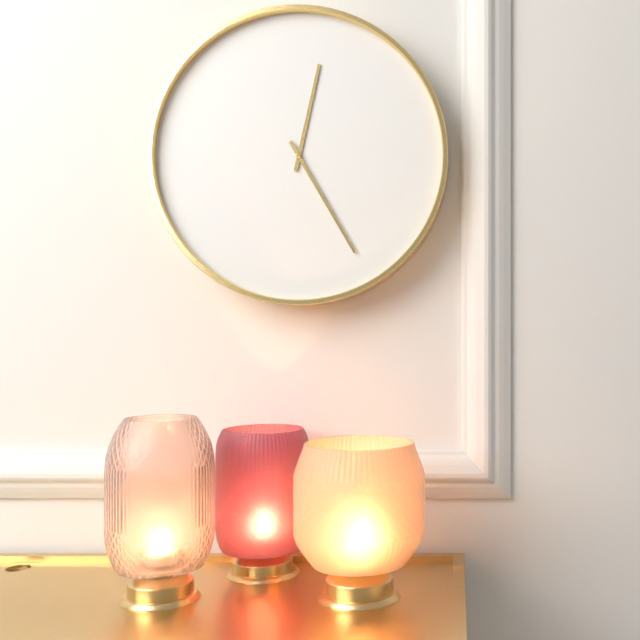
**12:25**
